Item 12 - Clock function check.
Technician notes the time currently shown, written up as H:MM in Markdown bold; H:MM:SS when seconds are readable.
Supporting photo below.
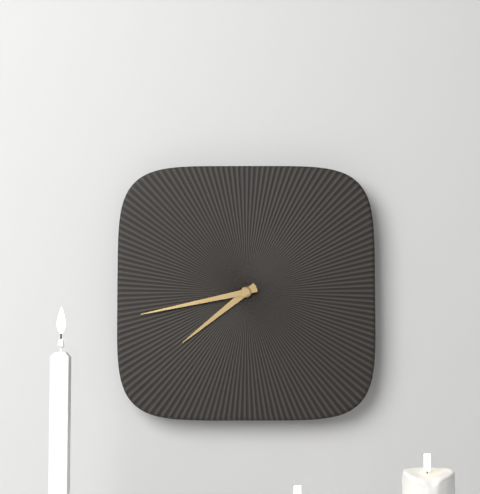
**7:43**
